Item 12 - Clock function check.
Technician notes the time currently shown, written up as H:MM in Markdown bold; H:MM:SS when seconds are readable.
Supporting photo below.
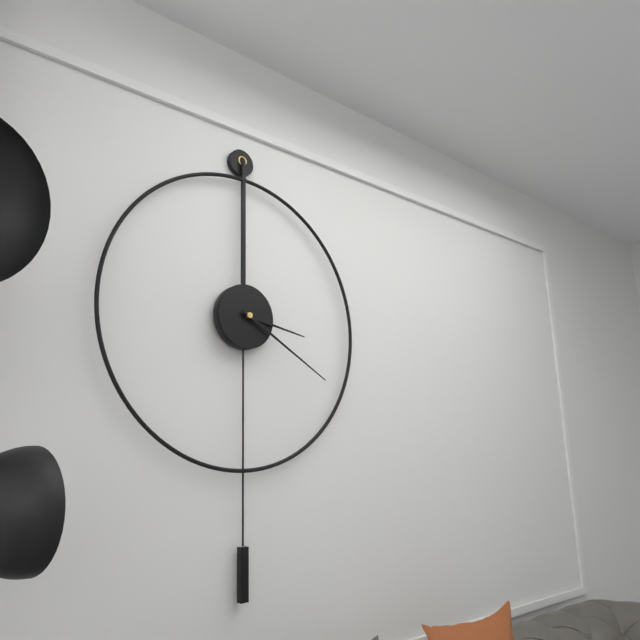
**3:20**
